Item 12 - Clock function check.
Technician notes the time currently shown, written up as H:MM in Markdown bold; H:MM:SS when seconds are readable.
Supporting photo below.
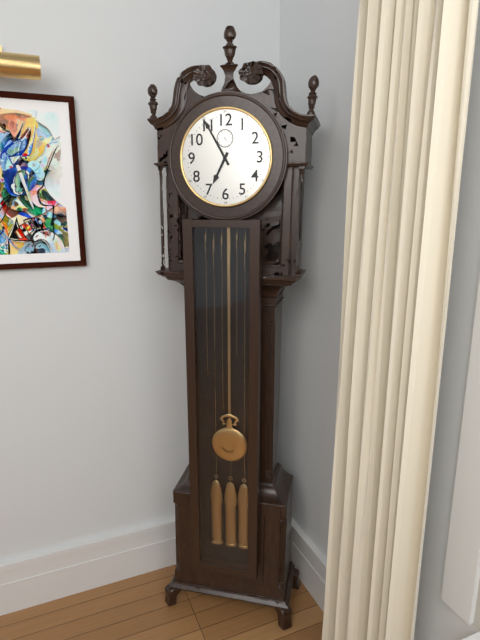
**6:55**
